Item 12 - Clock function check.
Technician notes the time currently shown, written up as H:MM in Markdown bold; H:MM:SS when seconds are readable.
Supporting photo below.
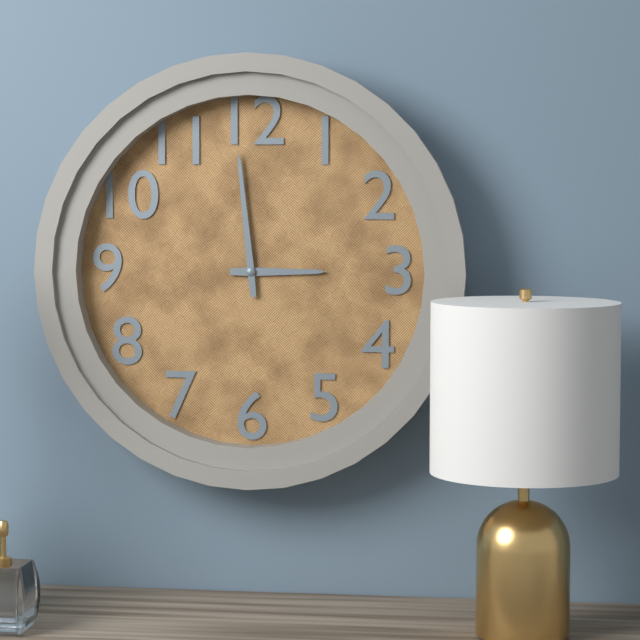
**2:59**
